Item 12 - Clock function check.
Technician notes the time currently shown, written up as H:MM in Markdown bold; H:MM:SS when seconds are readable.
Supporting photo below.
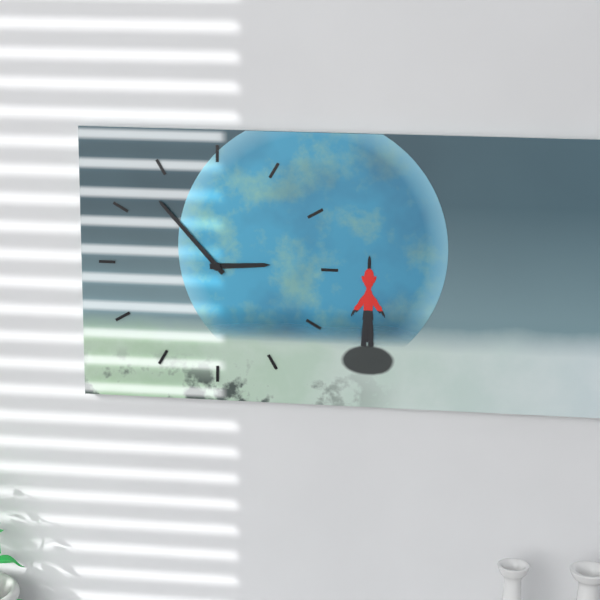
**2:53**
